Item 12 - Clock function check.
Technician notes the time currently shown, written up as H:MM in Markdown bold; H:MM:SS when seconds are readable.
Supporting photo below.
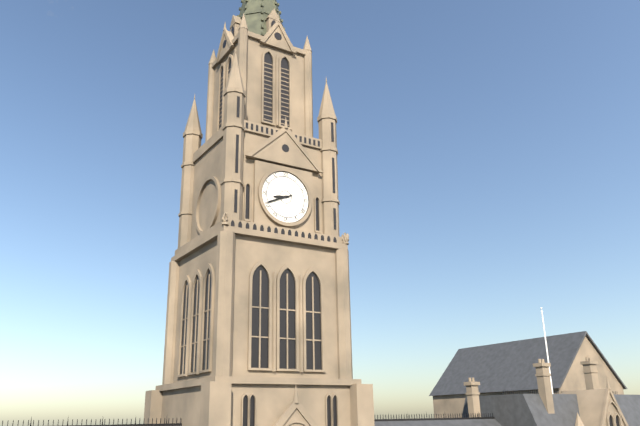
**8:41**
